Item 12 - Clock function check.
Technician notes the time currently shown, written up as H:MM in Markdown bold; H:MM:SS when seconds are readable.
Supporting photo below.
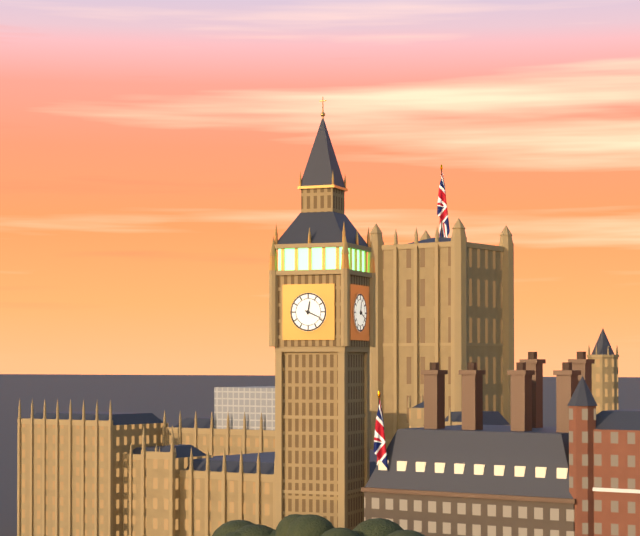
**12:19**
